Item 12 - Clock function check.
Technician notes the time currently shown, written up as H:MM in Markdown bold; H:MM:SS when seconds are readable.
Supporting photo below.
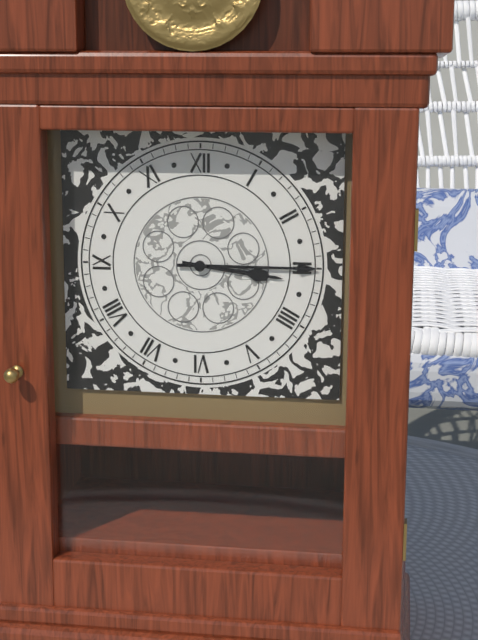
**3:15**
